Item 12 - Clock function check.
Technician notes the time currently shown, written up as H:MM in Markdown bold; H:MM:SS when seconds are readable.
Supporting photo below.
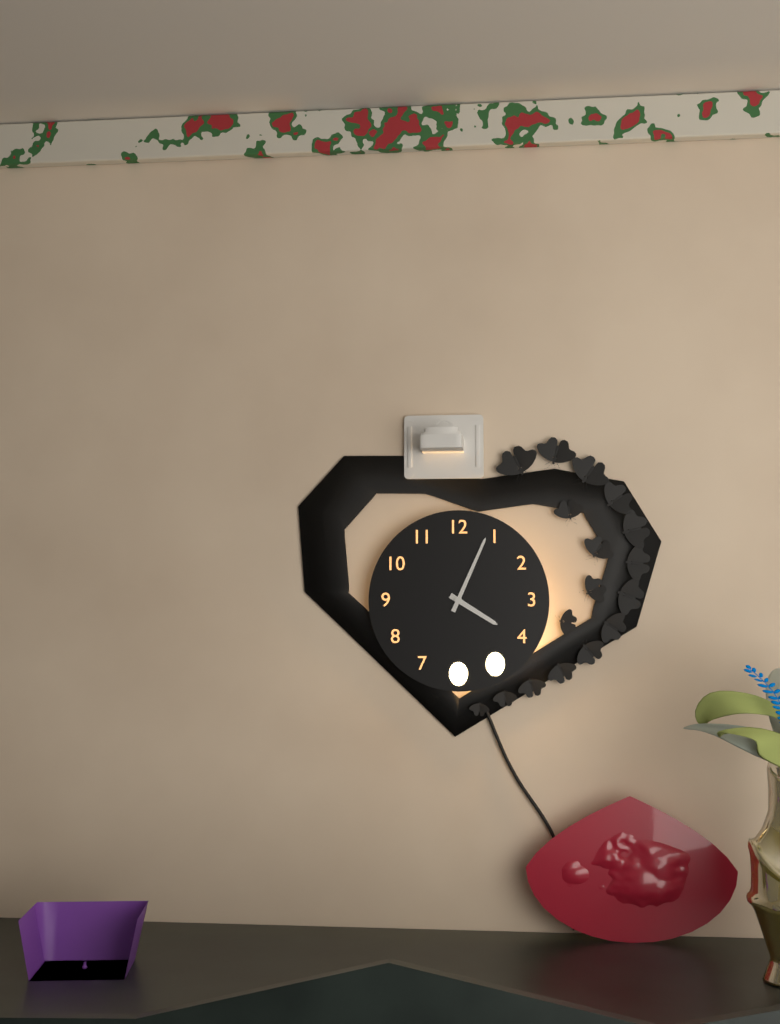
**4:04**
